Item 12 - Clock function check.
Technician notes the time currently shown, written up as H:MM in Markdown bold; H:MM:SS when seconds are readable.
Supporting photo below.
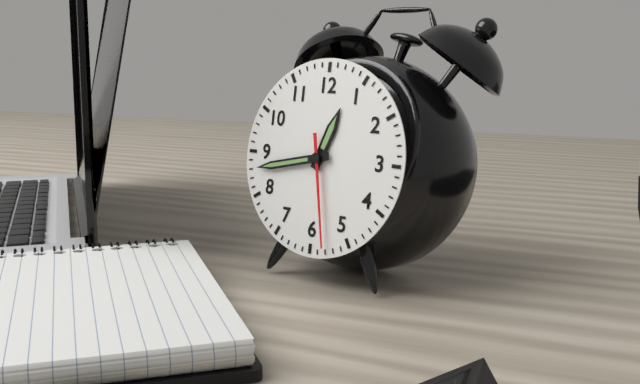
**12:43:28**
